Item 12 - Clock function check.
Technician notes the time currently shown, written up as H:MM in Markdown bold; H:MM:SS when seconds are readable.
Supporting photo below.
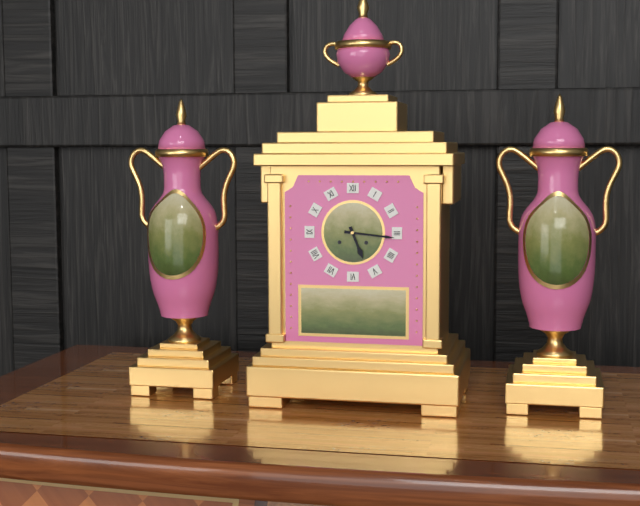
**5:16**
